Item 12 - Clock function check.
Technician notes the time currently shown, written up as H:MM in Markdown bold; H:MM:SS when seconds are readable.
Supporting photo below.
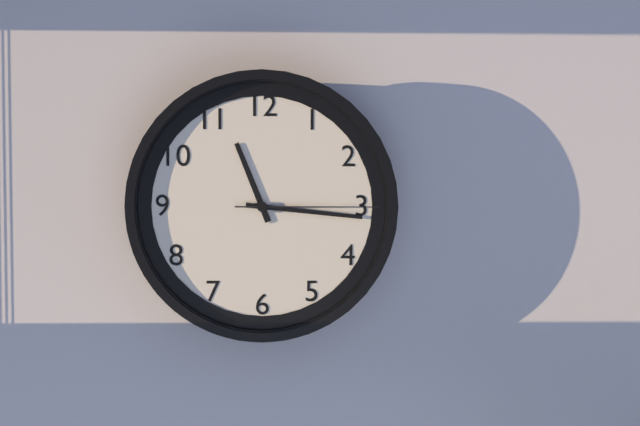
**11:16:15**
